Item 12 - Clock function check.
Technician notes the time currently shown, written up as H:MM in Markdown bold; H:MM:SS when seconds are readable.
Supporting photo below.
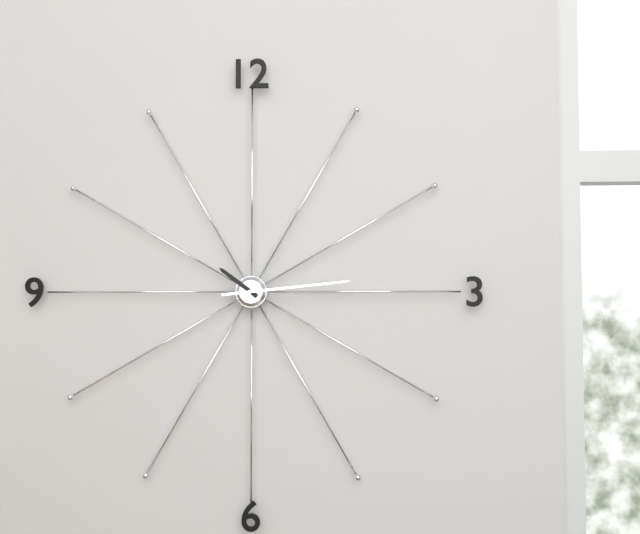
**10:14**
